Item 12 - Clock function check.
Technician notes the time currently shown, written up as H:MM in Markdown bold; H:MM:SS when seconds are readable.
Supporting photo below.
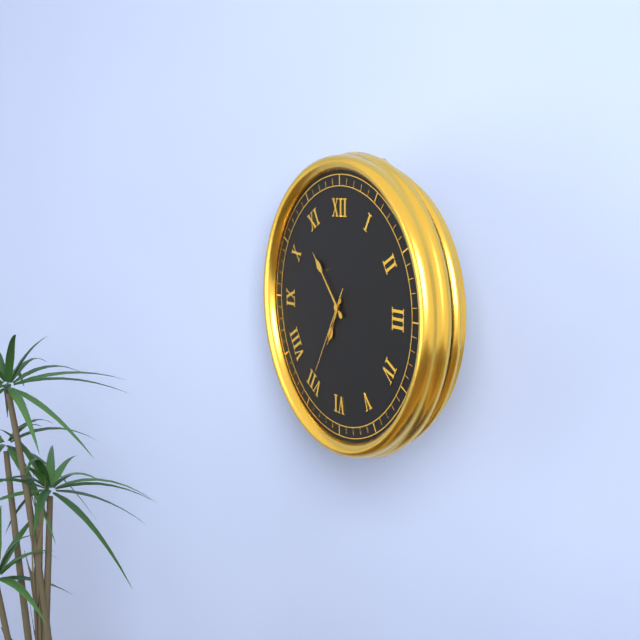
**6:53:35**
